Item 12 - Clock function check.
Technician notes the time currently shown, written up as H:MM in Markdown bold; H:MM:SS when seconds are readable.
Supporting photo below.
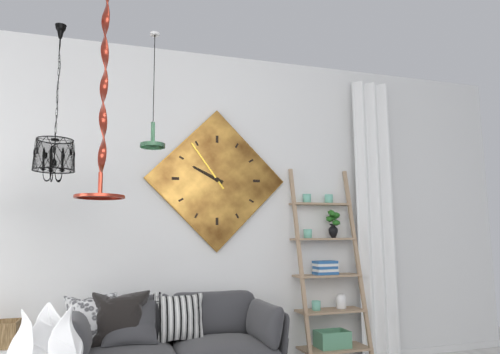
**9:54**
